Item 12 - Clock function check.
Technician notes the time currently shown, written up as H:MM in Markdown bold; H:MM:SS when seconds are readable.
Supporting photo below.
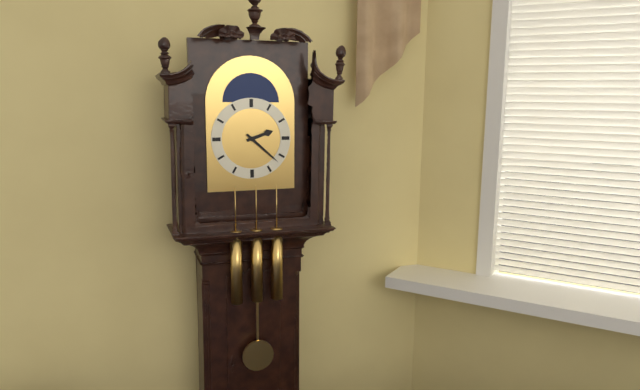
**2:22**
